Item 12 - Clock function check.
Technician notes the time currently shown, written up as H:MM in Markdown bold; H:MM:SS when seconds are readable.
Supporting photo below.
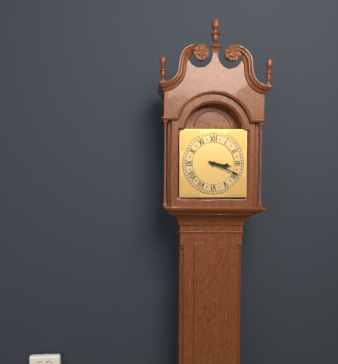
**3:19**
